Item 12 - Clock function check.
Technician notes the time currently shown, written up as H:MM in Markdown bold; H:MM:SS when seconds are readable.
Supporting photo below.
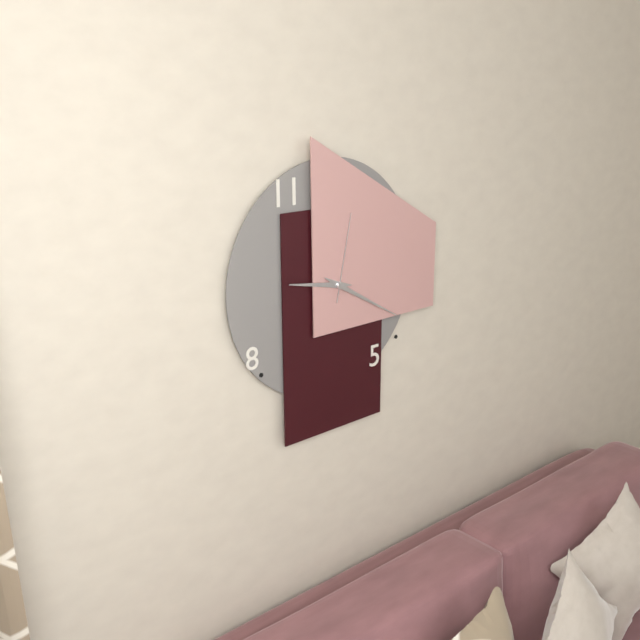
**9:20:02**
